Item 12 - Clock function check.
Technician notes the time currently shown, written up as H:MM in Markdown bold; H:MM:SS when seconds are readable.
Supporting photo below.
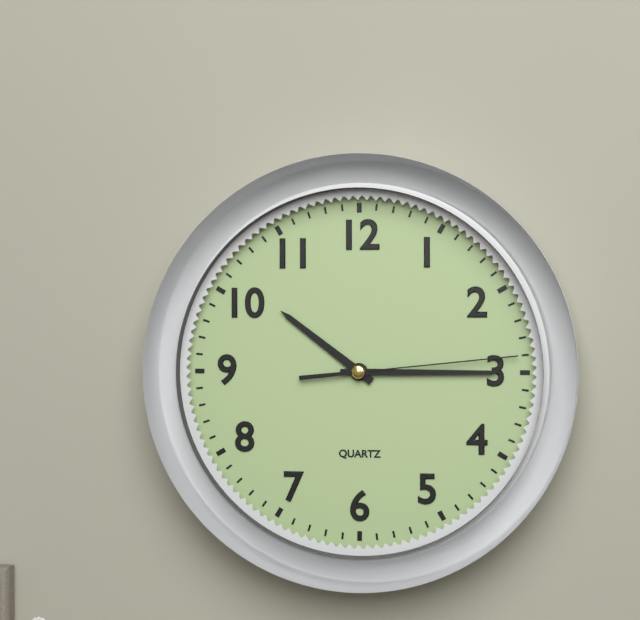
**10:15:14**
